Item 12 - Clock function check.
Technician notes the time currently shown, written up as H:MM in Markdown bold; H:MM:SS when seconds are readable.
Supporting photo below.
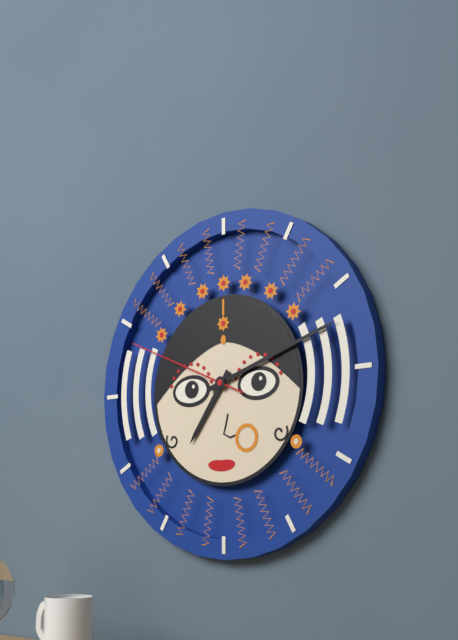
**7:12:49**
